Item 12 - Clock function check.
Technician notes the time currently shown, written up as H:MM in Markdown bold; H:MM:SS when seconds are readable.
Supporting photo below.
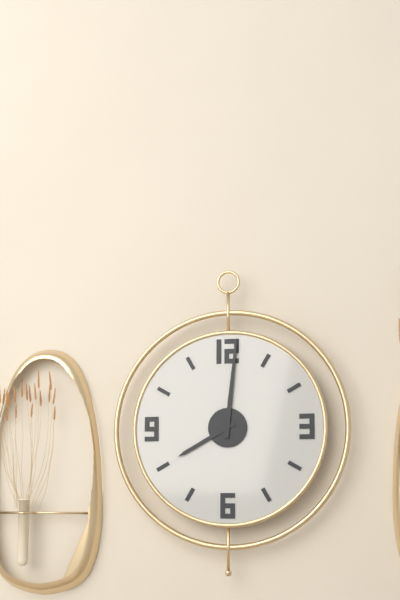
**8:01**
